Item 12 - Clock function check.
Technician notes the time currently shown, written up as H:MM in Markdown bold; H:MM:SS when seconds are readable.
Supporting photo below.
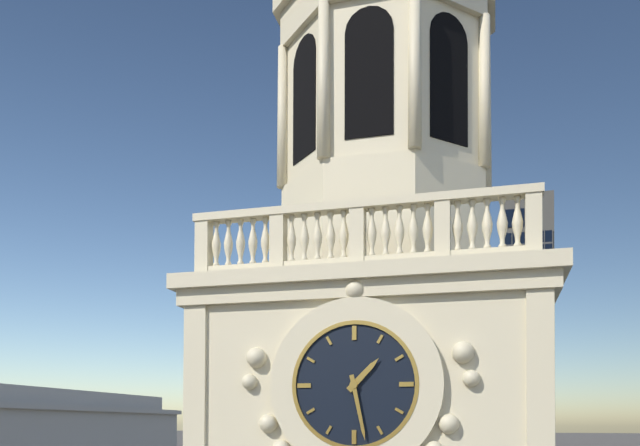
**1:28**
